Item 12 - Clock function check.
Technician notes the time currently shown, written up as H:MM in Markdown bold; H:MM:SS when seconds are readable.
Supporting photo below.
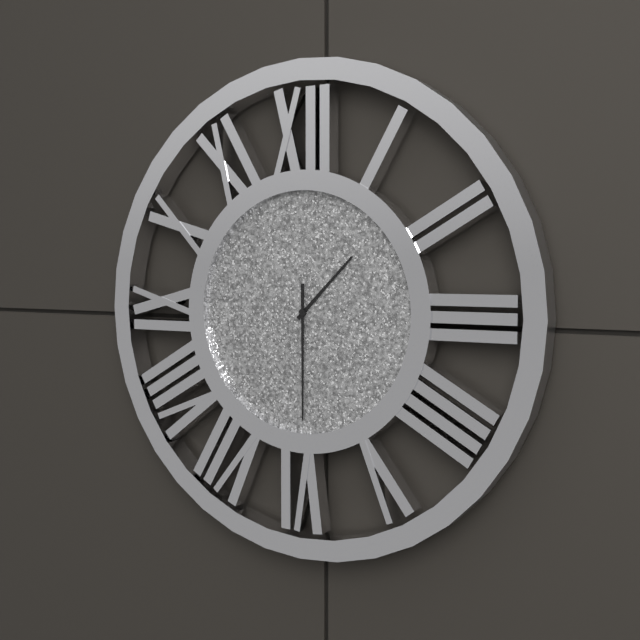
**1:30**
